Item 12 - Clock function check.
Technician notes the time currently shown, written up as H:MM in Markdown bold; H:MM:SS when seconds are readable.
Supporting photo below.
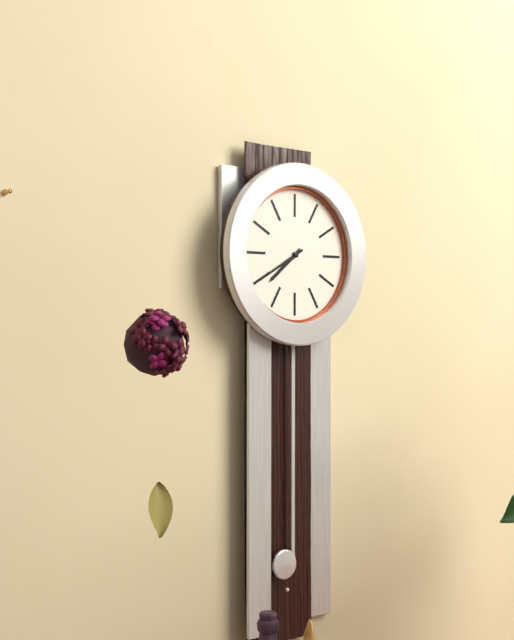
**7:40**
